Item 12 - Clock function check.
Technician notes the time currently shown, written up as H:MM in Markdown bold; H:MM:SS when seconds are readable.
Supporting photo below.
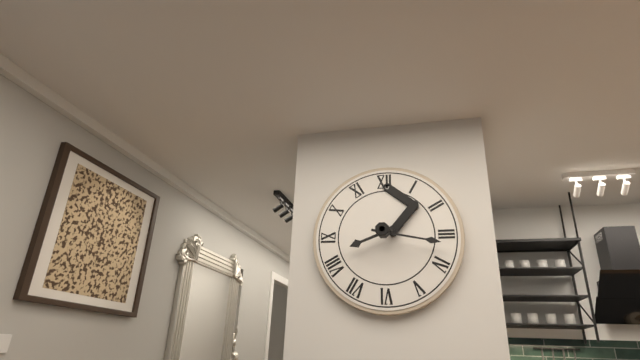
**8:17**
